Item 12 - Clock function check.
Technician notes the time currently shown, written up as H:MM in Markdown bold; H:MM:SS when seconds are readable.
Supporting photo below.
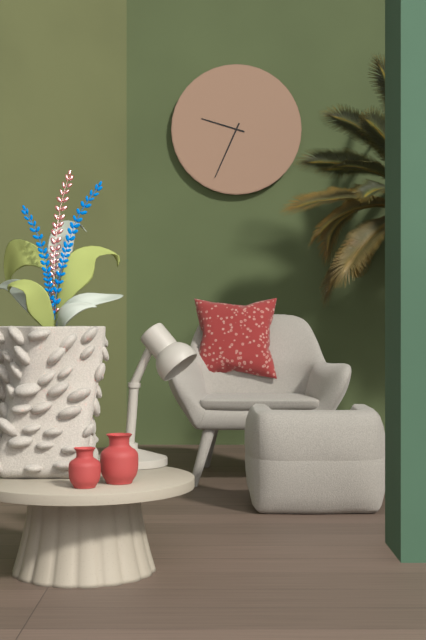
**9:34**
